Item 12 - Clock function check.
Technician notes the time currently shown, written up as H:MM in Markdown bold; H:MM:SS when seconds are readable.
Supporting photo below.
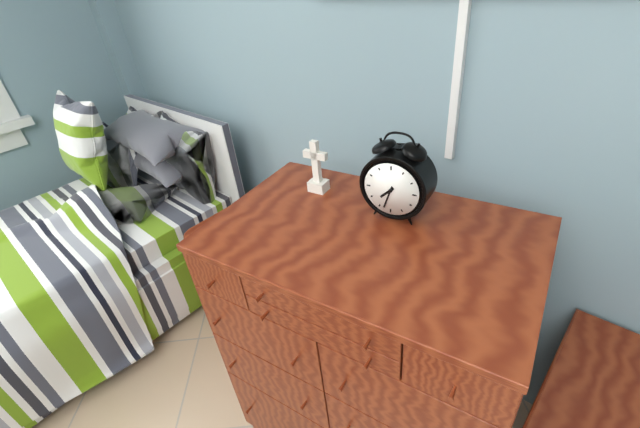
**7:33**
